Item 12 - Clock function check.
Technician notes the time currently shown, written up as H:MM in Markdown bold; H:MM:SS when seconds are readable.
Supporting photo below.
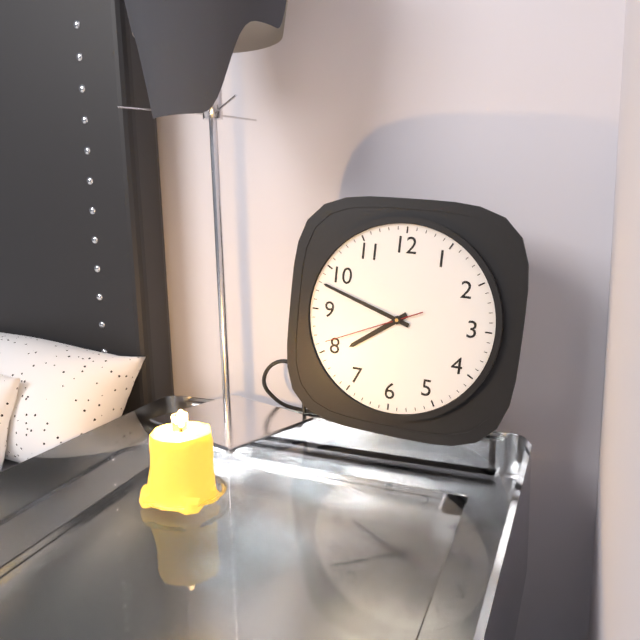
**7:48:41**
